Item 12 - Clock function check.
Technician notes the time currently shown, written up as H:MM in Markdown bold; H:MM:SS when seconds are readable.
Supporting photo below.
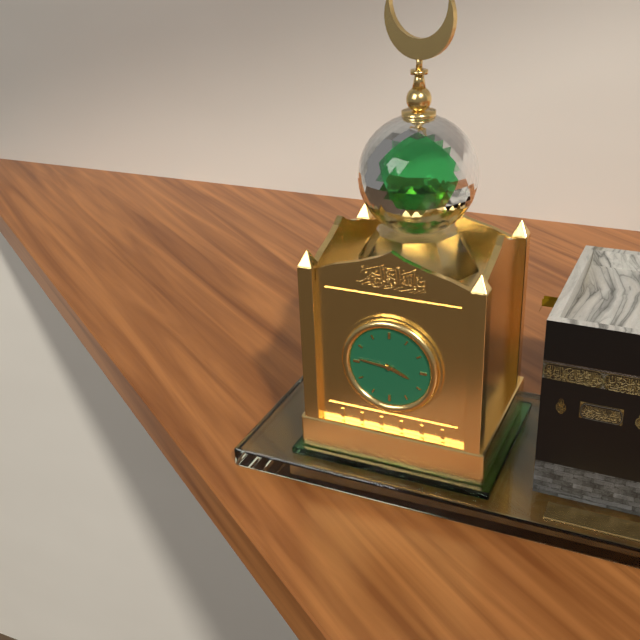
**3:46**
